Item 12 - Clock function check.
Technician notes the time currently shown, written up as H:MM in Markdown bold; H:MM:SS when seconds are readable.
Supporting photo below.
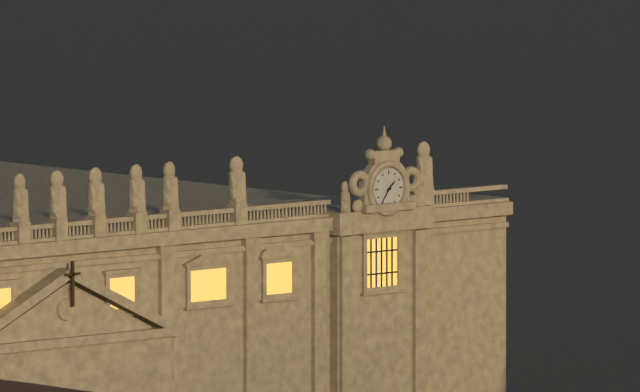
**1:36**
